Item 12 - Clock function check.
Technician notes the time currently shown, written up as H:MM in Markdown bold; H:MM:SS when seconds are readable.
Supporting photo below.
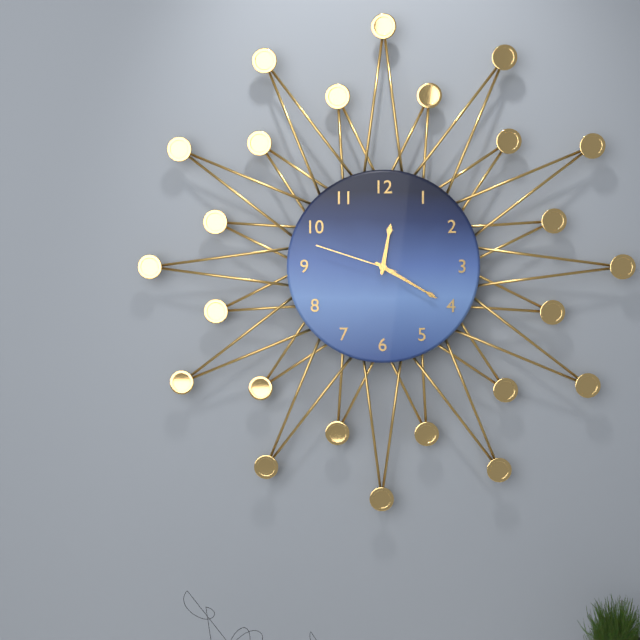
**12:20:48**
